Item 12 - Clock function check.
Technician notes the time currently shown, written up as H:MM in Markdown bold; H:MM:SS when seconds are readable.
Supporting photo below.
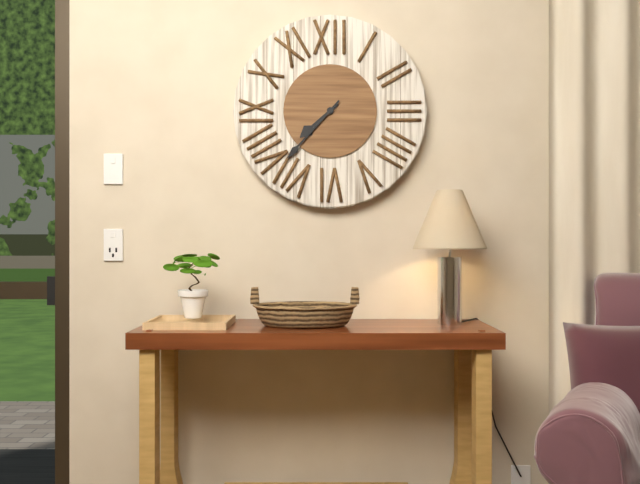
**7:37**
